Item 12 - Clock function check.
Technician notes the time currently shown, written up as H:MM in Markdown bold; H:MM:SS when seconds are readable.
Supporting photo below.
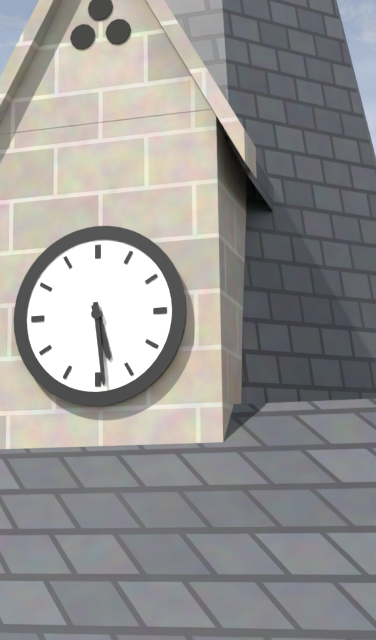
**5:29**
